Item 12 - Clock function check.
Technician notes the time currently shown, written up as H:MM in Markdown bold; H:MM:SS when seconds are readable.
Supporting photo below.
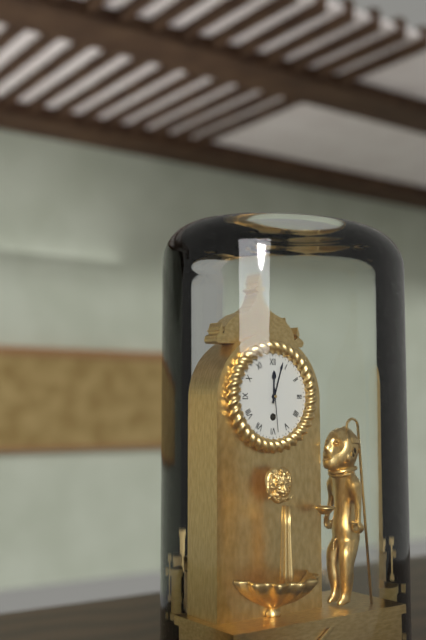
**12:03**
